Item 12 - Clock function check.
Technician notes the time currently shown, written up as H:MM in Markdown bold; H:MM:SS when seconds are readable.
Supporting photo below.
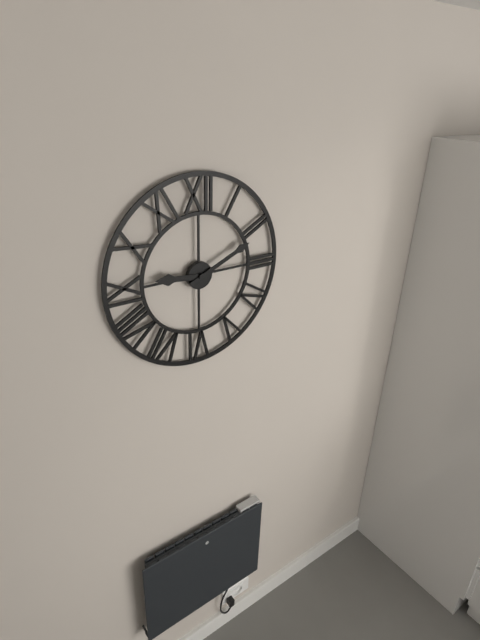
**9:11**
